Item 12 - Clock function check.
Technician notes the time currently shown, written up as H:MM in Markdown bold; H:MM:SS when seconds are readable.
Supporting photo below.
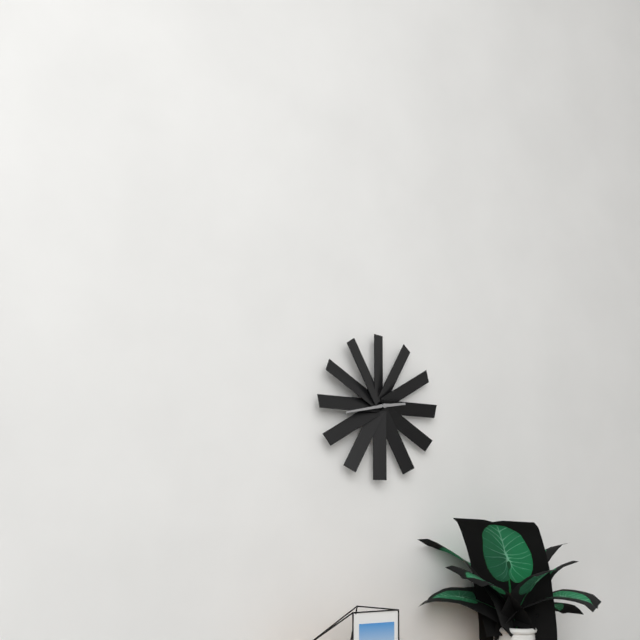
**2:43**
